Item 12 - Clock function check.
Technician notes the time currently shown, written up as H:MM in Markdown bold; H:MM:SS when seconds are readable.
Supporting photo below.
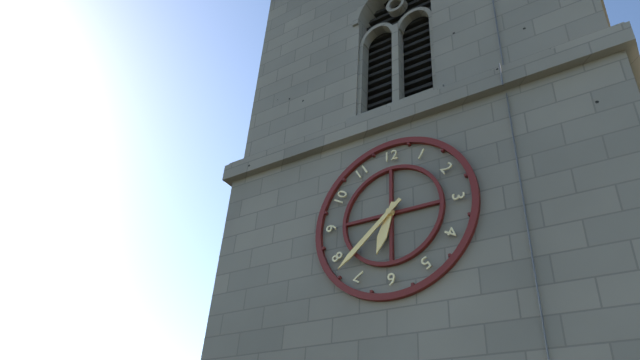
**6:38**
